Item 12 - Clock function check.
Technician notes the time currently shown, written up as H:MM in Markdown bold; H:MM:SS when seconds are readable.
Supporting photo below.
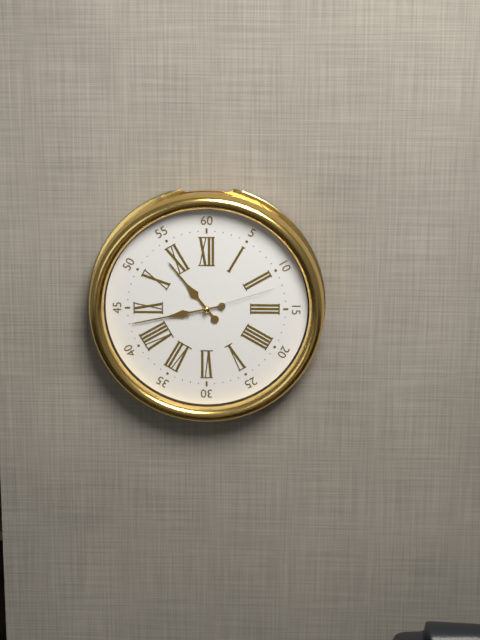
**10:43:12**
